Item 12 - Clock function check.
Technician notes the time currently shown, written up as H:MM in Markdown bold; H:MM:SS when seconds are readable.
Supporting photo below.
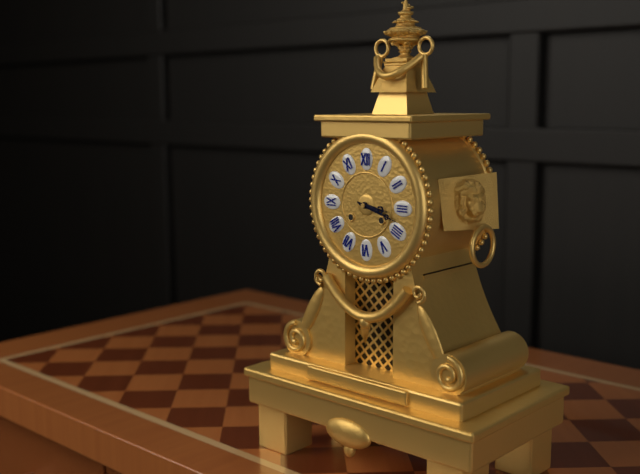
**3:18**
